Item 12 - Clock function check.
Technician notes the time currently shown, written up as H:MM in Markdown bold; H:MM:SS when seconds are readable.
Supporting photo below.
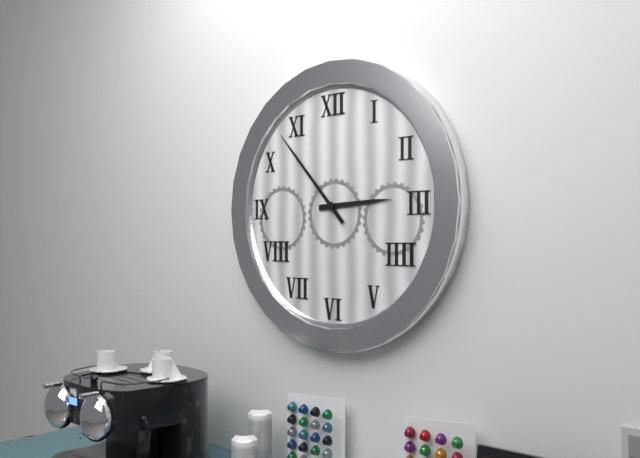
**2:53**
